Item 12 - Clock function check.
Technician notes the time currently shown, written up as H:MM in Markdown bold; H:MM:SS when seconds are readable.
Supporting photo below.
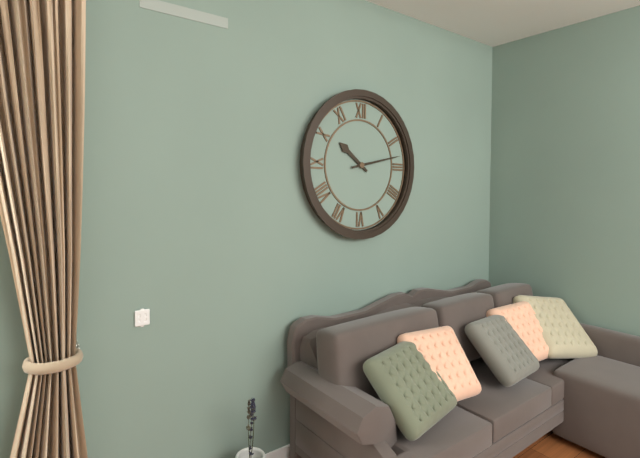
**10:13**
